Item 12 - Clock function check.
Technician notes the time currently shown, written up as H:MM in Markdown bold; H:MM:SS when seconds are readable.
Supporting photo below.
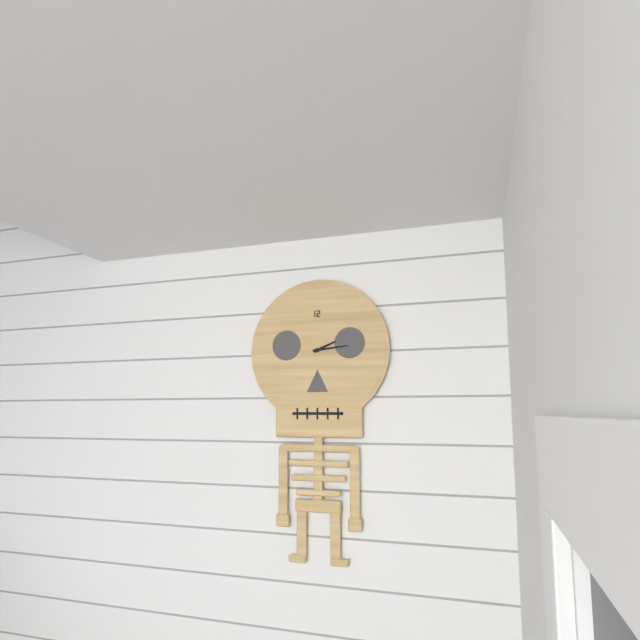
**2:14**
